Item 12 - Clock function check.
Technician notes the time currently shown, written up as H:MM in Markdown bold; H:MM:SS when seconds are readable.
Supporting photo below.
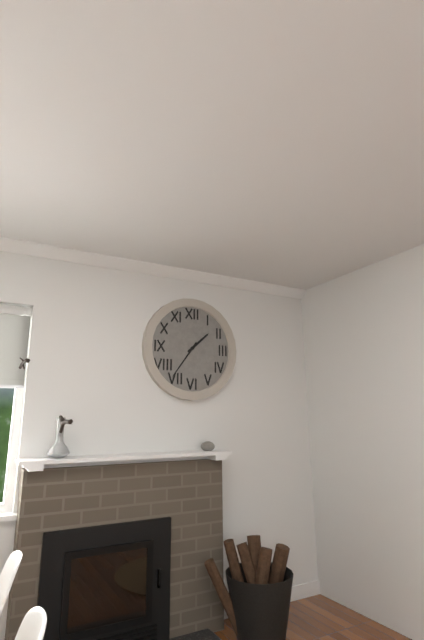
**1:36**
